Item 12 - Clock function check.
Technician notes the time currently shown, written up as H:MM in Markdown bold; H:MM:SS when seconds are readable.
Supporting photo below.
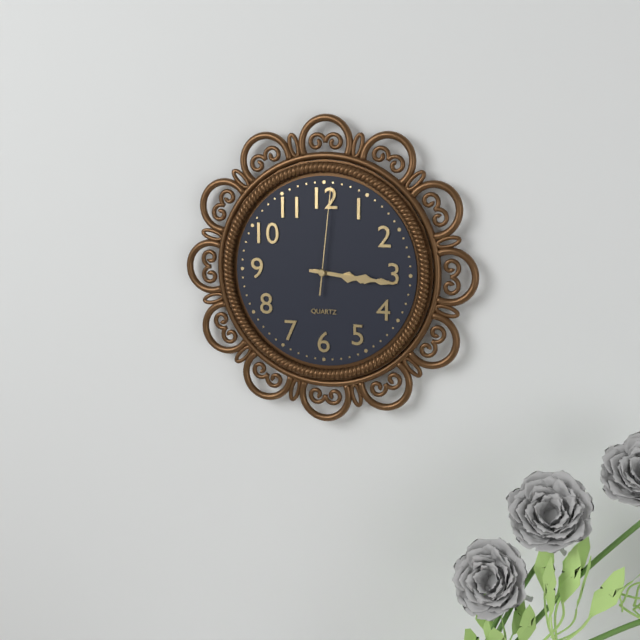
**3:16:01**
